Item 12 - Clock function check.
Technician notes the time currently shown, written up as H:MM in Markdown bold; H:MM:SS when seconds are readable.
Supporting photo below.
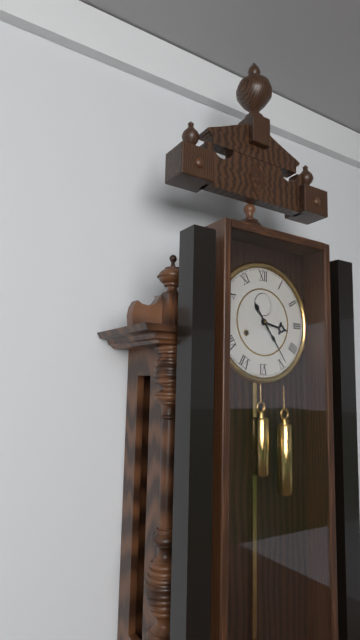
**3:24**
